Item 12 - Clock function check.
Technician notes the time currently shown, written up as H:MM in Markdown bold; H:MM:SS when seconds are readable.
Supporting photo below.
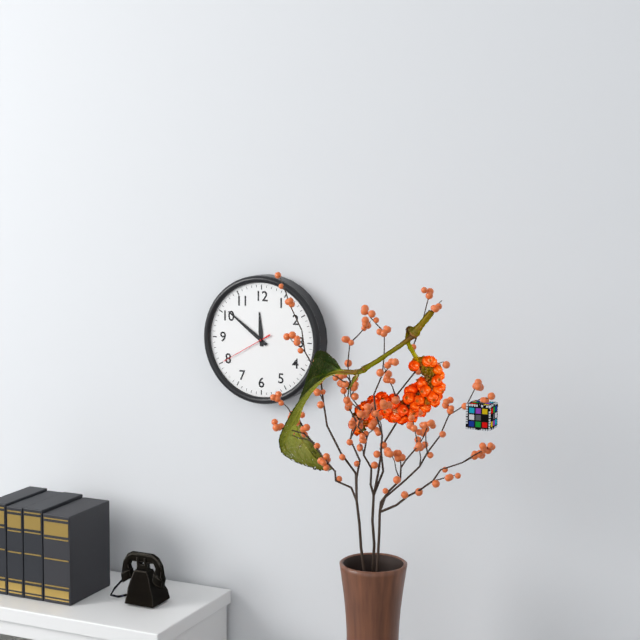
**11:51:40**
